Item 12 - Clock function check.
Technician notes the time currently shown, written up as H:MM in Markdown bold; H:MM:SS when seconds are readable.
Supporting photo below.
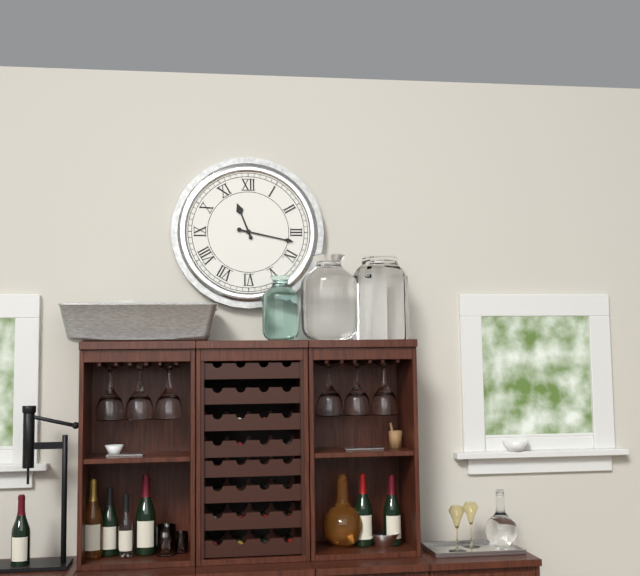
**11:17**
